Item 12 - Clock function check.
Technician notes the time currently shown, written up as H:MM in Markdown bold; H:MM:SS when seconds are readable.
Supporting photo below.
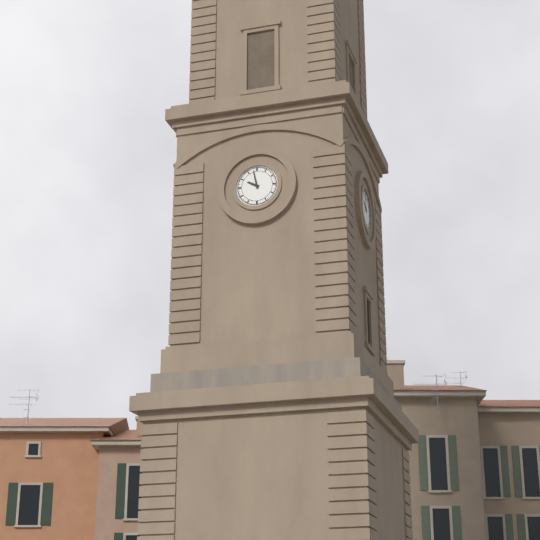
**9:58**
